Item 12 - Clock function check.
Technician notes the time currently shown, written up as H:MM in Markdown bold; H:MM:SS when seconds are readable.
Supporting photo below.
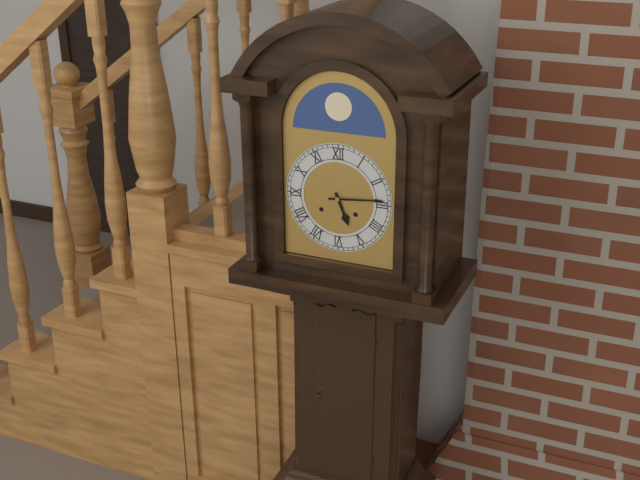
**5:14**
